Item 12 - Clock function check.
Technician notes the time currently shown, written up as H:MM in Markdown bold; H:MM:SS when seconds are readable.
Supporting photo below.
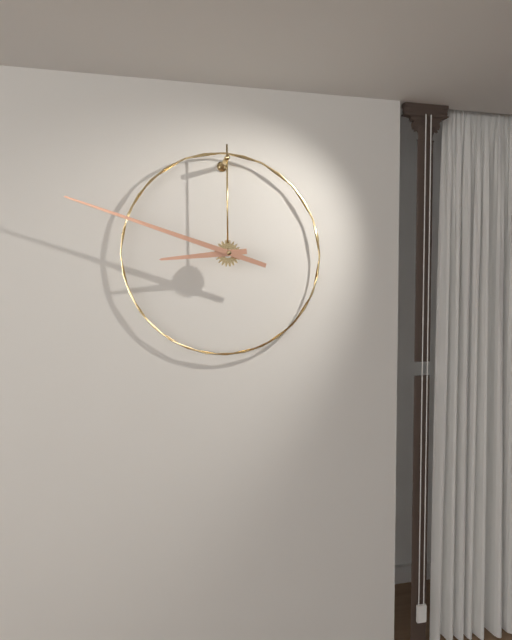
**8:48**
